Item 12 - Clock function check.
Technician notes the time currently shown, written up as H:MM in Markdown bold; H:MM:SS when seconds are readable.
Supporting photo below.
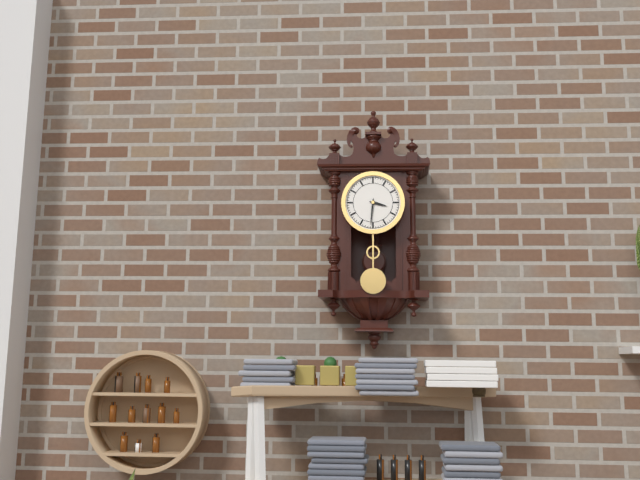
**3:31**
